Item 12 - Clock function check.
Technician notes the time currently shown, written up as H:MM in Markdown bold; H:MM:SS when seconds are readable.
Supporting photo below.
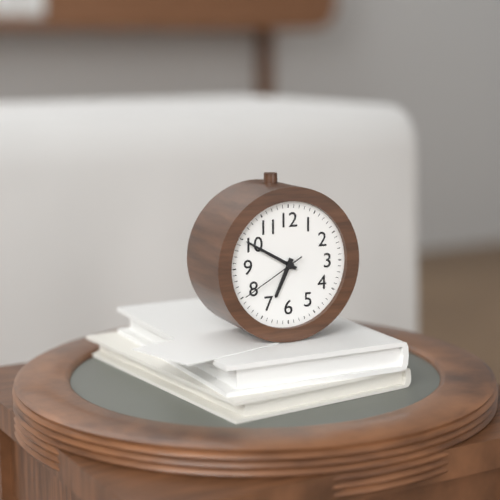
**6:50:40**
